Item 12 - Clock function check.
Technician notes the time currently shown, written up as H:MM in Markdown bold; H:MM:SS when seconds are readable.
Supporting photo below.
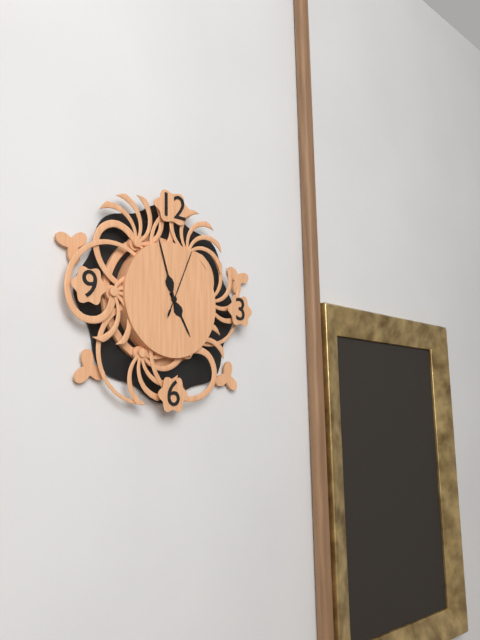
**4:57:04**
